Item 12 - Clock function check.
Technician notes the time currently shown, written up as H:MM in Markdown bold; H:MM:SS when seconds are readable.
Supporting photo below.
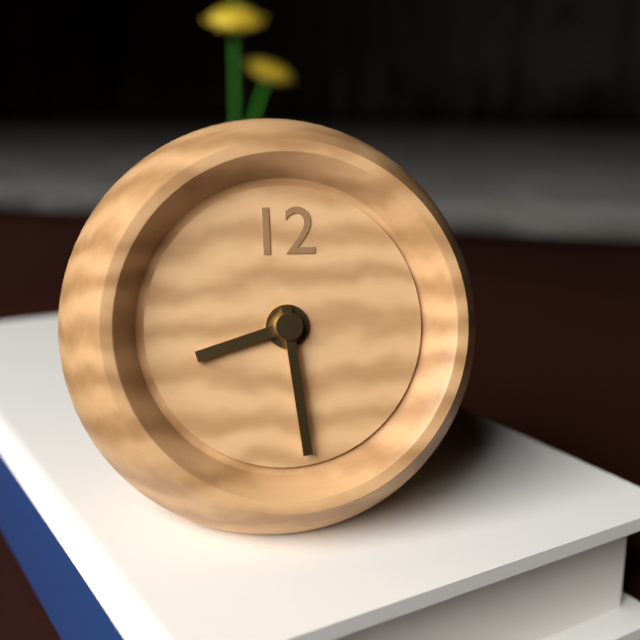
**8:29**
